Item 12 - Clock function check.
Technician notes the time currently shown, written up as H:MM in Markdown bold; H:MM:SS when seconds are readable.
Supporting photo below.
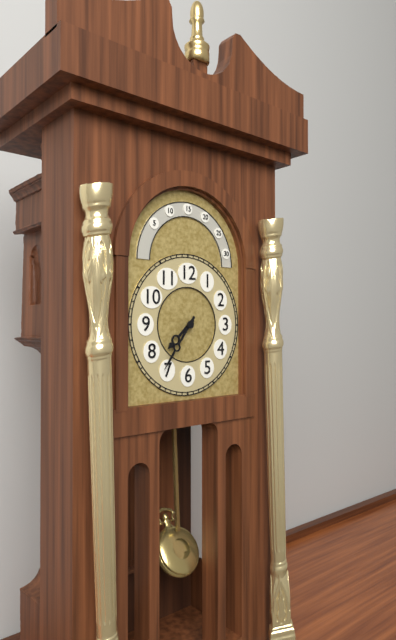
**7:36**
